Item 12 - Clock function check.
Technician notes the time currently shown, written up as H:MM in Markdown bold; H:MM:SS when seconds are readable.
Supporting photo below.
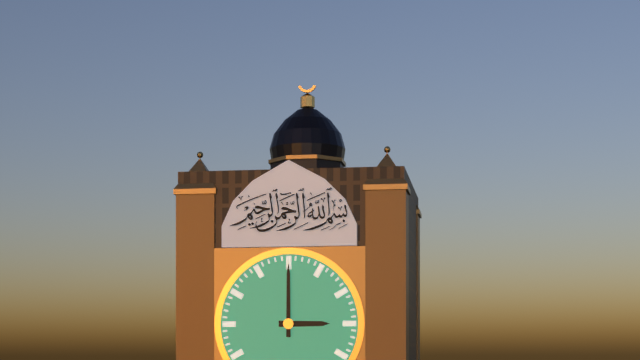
**3:00**
